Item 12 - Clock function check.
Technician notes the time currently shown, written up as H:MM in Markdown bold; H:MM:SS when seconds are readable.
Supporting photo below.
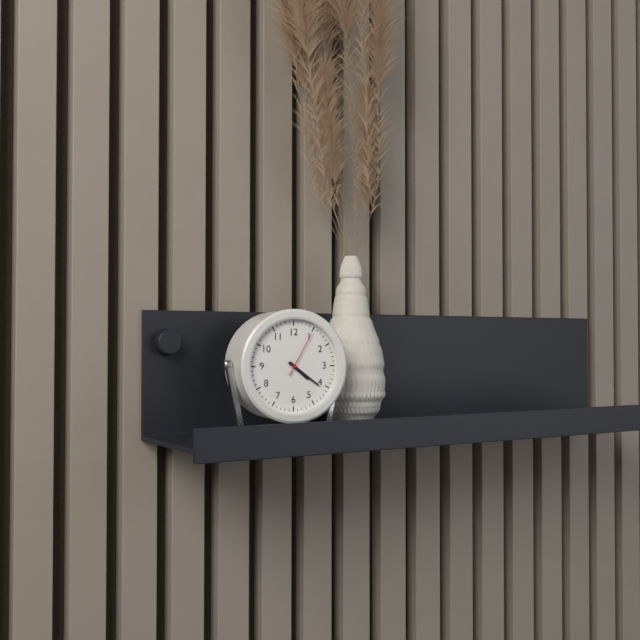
**4:21**
